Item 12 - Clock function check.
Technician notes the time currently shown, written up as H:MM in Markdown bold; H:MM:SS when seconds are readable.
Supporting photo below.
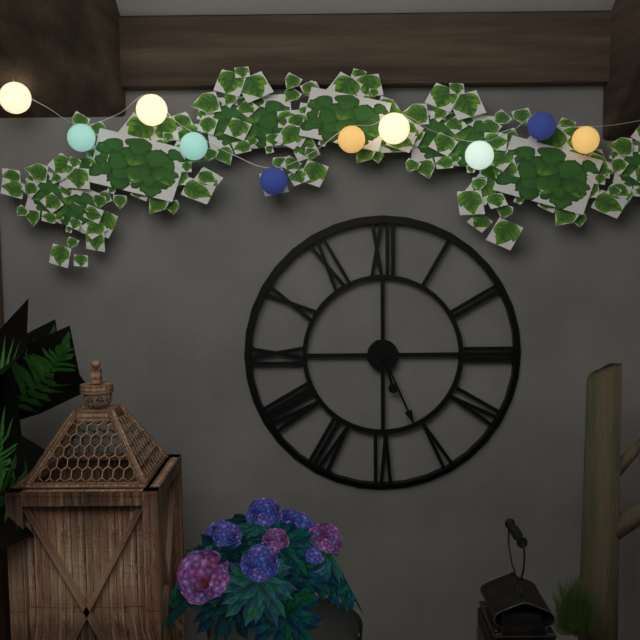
**5:26**
